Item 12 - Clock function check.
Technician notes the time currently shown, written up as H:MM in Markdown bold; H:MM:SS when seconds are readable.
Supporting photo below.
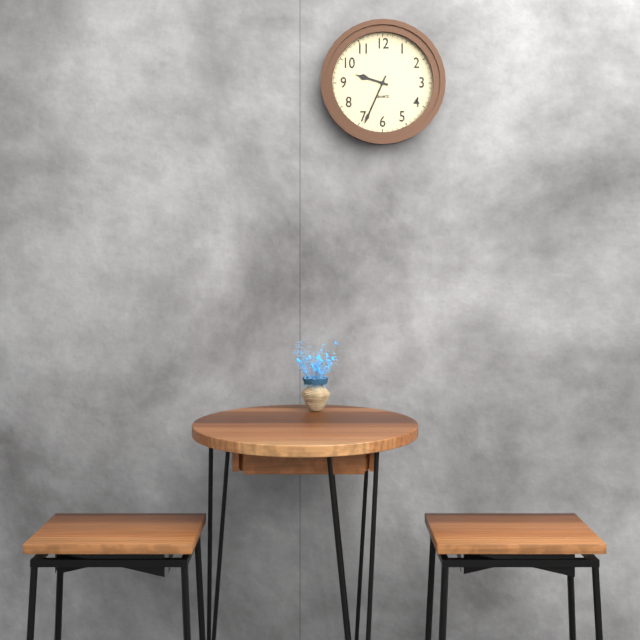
**9:34**
